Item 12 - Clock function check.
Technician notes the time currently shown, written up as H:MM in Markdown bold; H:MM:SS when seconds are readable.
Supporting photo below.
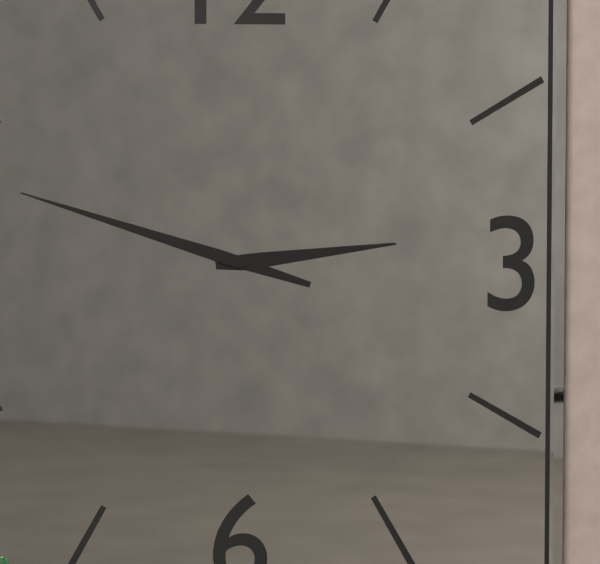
**2:48**
